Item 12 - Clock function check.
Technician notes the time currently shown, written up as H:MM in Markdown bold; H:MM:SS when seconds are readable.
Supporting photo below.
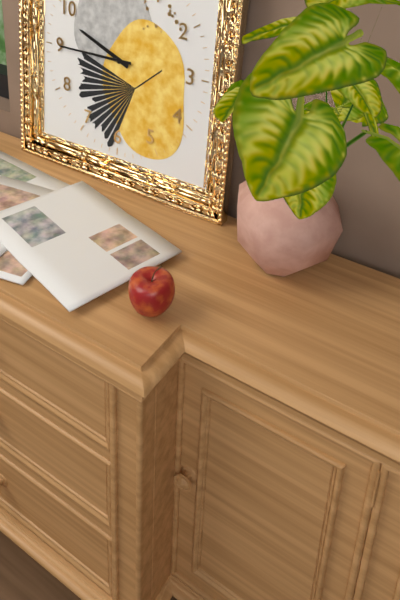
**9:45**
